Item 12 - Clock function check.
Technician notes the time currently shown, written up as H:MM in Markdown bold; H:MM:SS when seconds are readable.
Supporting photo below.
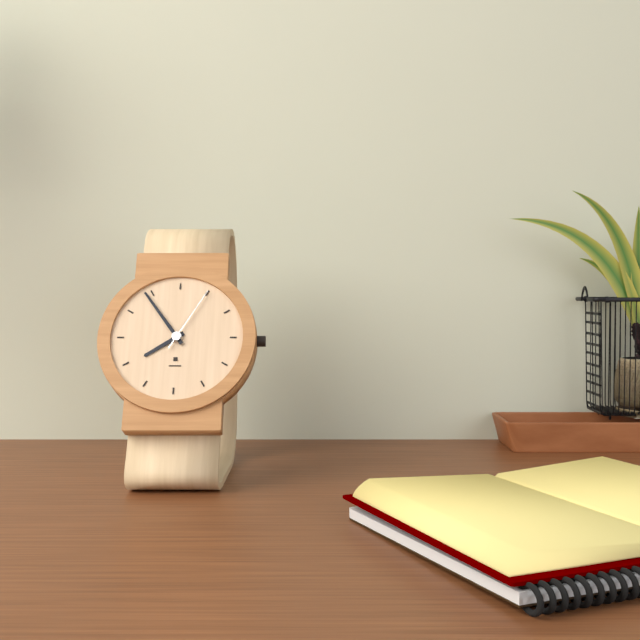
**7:54:05**
